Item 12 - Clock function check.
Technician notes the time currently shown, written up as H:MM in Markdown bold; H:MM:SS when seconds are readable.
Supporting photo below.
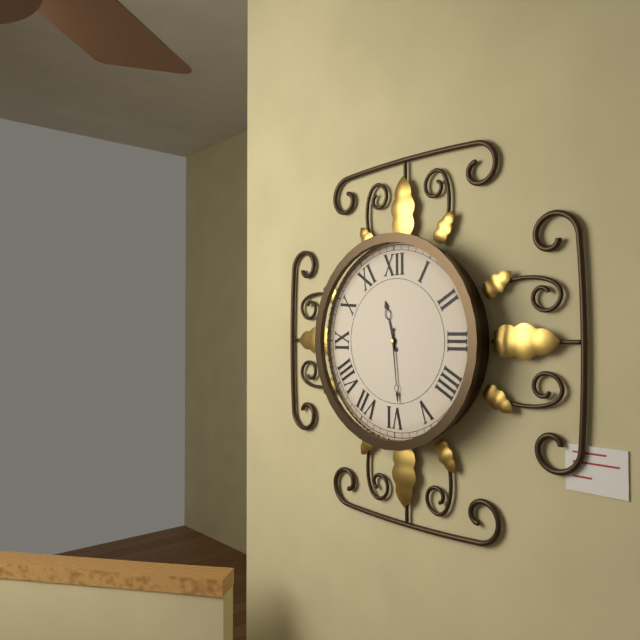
**11:29**
